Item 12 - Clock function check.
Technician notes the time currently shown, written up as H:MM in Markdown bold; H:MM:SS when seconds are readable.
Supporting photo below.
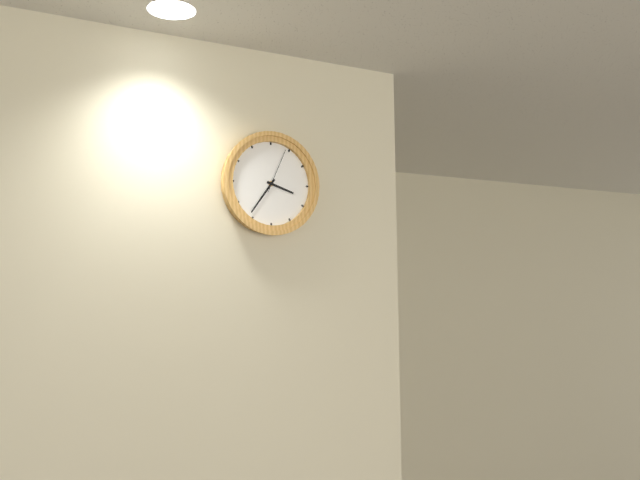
**3:36**
